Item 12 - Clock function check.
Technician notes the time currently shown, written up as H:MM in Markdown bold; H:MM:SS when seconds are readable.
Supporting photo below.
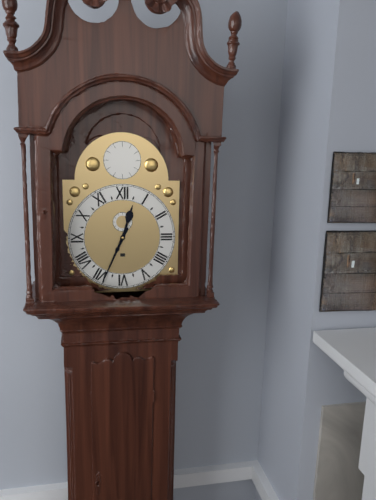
**12:34**
